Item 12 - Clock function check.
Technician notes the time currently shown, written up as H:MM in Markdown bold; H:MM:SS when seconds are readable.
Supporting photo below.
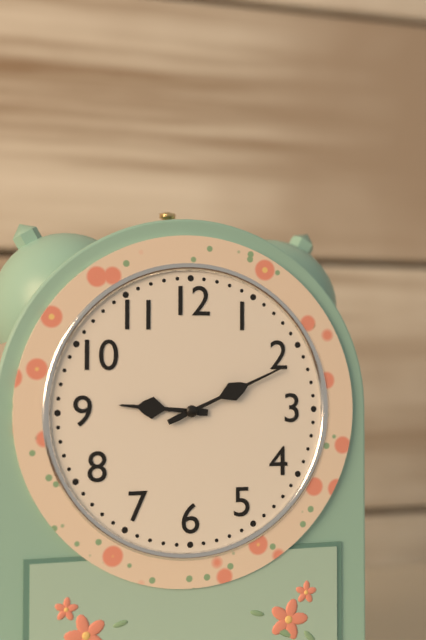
**9:11**
